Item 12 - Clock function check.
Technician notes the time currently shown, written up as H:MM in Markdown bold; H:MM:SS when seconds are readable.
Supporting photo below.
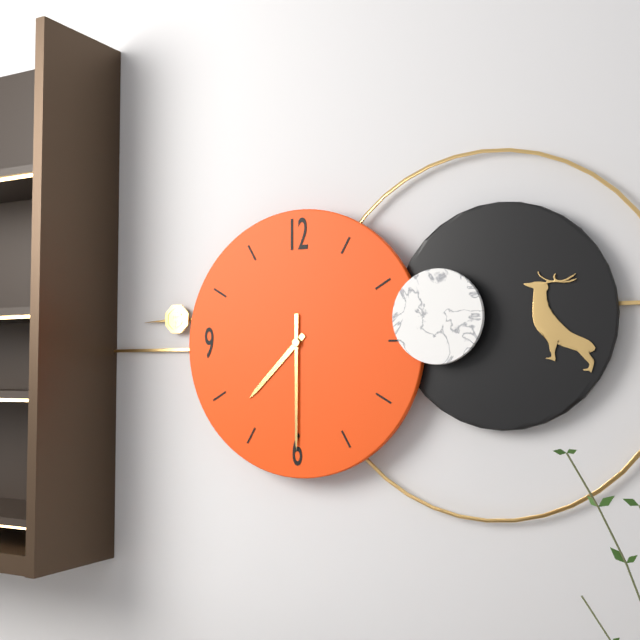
**7:30**
